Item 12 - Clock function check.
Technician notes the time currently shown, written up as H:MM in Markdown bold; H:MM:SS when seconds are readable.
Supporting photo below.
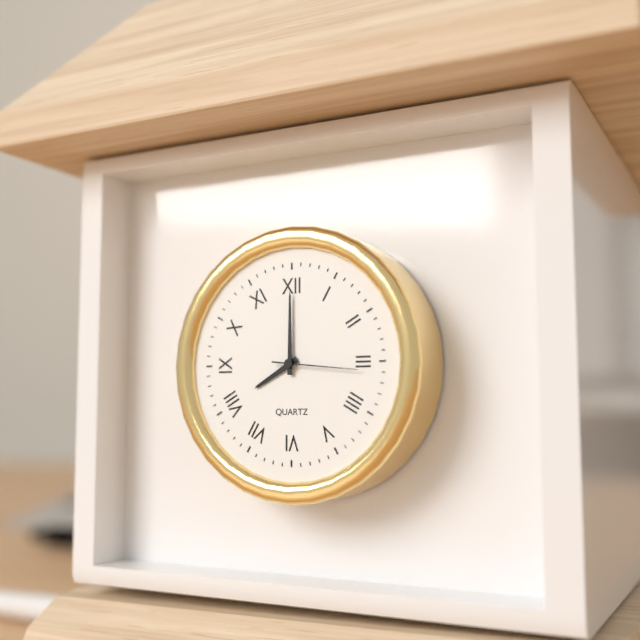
**8:00:16**
